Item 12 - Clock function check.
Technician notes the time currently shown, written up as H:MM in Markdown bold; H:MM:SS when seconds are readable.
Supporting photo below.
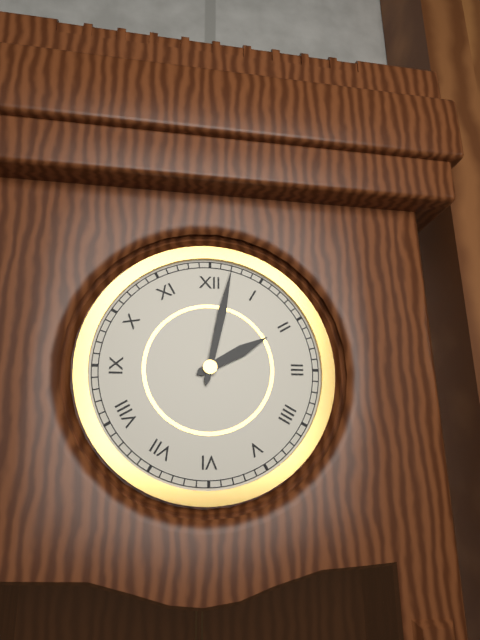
**2:02**
